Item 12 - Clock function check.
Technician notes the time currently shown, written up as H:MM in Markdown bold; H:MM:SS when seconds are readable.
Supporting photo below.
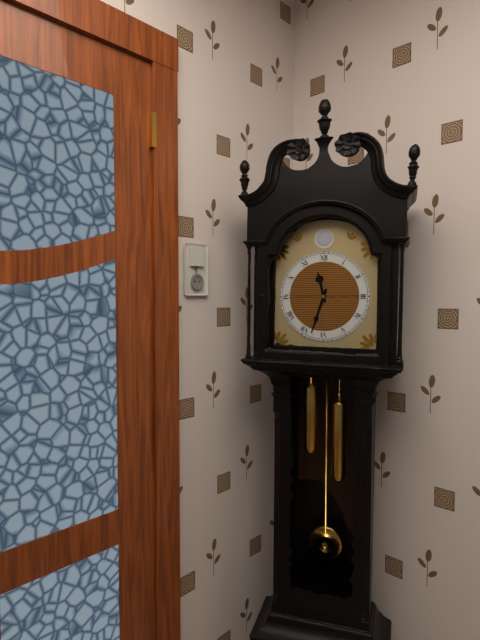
**11:33**
